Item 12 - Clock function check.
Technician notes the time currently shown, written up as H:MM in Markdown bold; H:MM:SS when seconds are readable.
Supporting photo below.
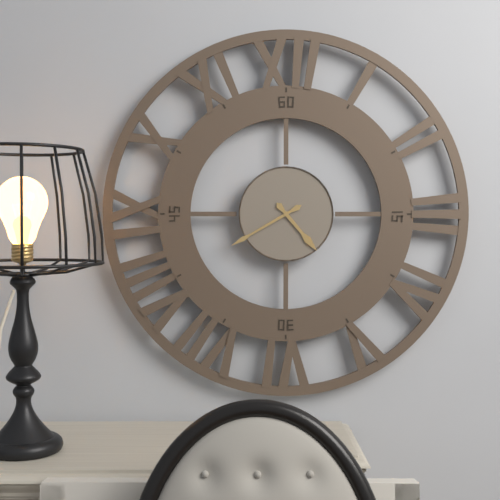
**4:40**
